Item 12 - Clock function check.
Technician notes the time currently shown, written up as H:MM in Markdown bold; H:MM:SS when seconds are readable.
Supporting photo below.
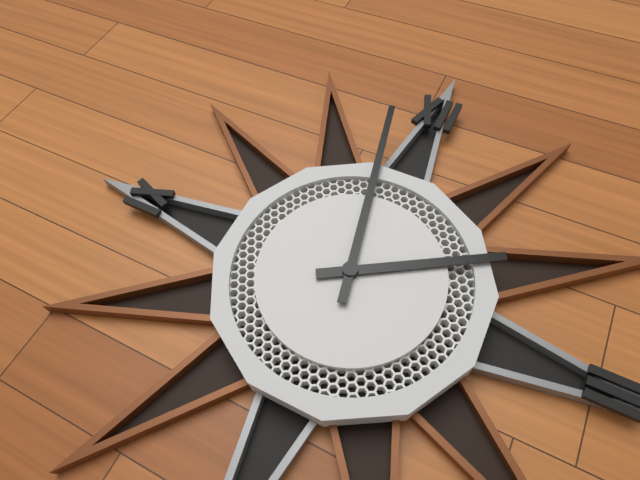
**1:58**
